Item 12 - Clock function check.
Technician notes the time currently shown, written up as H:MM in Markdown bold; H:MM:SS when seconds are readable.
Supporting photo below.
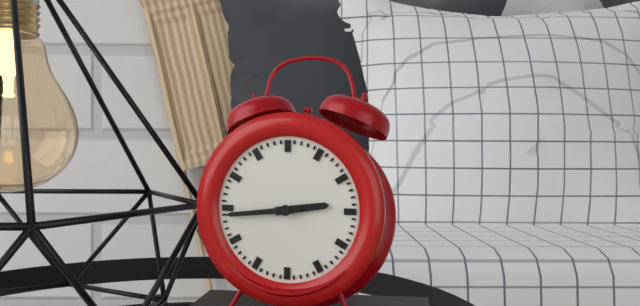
**2:44**
